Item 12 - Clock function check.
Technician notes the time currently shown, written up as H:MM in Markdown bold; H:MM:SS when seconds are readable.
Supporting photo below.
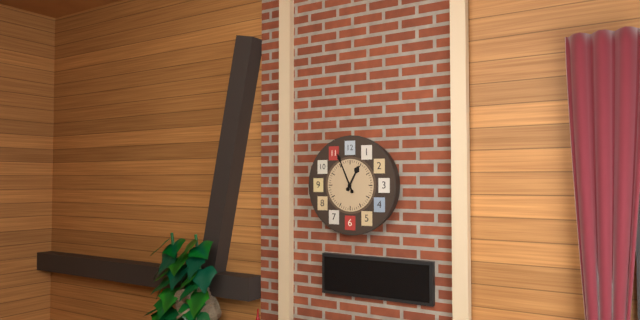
**12:56**
